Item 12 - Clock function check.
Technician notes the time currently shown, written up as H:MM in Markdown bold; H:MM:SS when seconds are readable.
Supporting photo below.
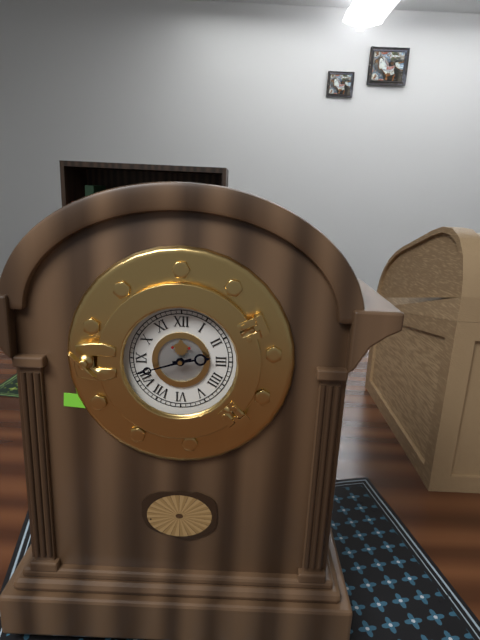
**2:42**
